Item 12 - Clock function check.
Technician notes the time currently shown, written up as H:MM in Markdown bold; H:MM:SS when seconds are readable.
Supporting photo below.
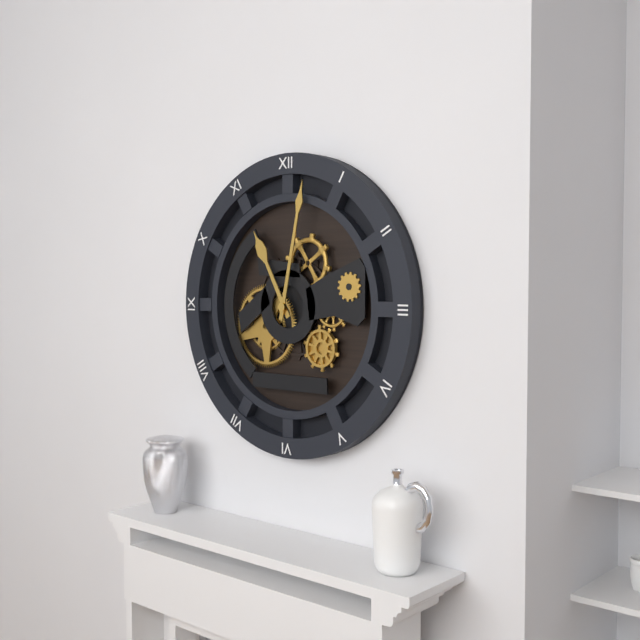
**11:02**
